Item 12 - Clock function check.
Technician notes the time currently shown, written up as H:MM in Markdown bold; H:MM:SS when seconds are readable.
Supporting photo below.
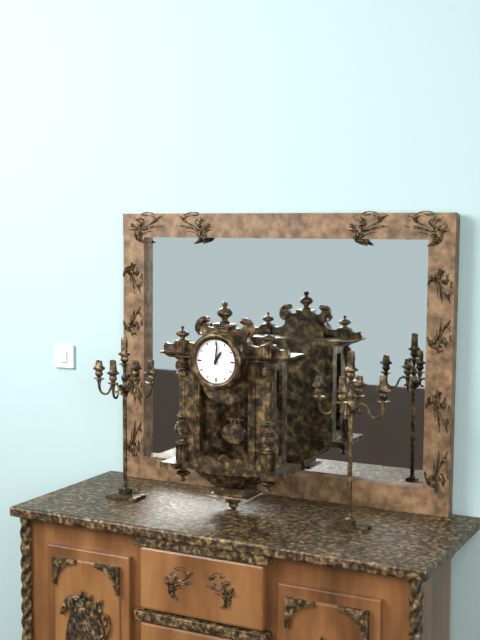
**1:01**
